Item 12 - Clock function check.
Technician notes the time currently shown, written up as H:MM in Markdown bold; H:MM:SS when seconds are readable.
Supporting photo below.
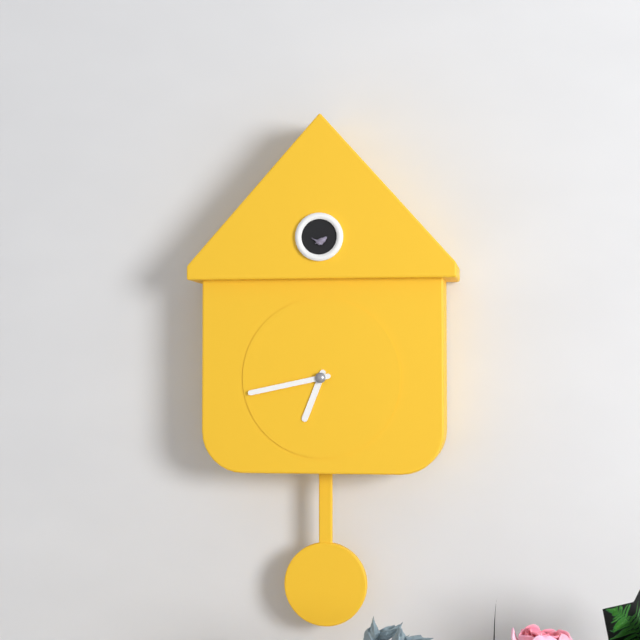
**6:43**
